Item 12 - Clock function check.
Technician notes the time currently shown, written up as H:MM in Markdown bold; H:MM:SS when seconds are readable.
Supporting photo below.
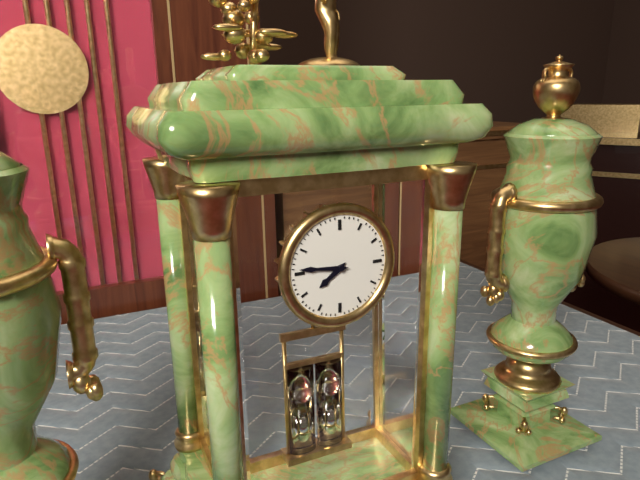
**7:46**
